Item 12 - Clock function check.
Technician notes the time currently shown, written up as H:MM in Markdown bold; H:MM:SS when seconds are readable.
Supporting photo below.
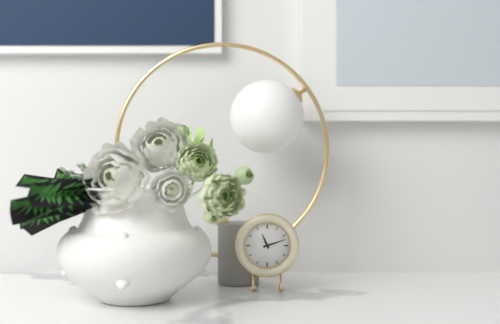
**11:12**
